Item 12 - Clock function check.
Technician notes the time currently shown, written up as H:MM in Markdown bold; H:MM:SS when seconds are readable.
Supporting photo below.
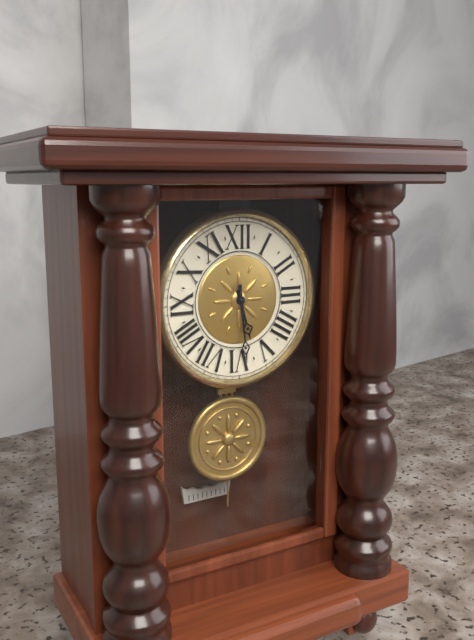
**5:29**
